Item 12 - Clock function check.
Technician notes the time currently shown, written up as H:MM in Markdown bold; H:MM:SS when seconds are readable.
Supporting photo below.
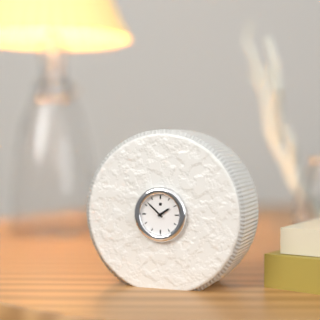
**1:52**
